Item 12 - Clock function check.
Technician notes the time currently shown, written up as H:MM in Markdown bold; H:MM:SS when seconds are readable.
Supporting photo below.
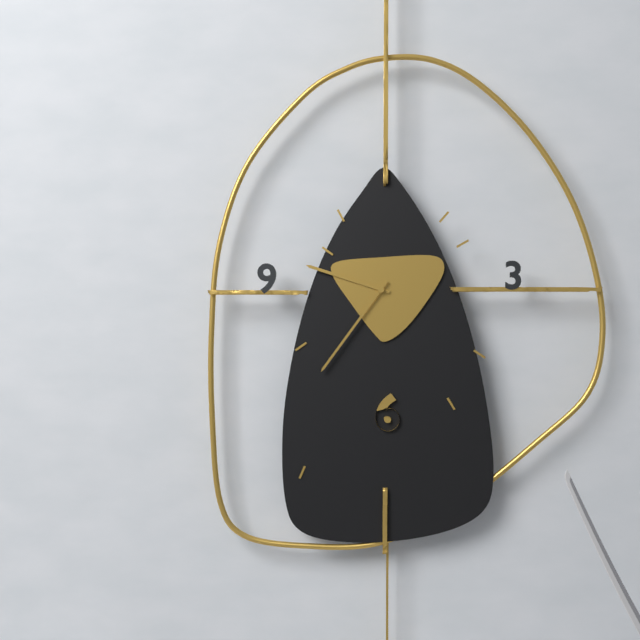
**9:36**
